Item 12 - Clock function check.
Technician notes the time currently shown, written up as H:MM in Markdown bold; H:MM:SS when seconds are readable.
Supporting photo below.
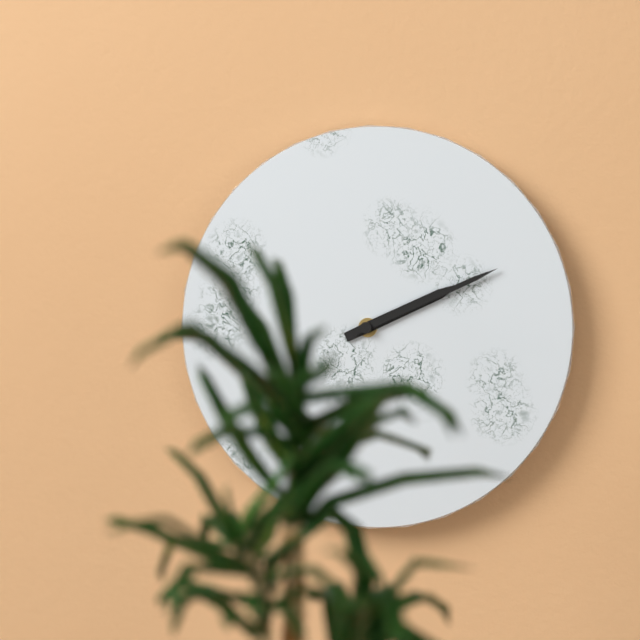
**2:11**
